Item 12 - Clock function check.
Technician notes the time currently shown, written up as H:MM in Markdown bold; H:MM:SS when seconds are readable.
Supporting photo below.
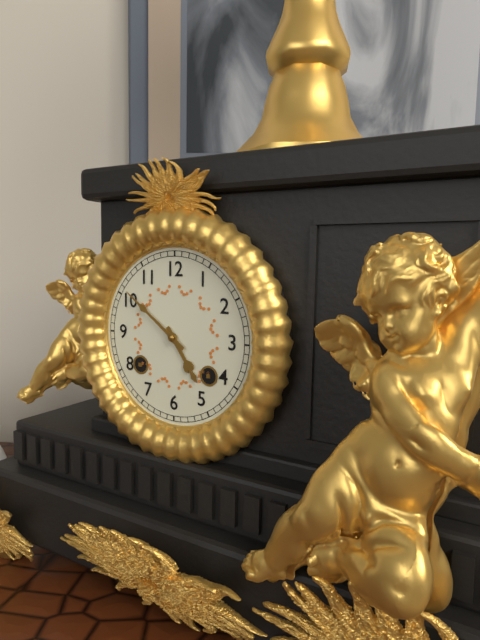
**4:51**
